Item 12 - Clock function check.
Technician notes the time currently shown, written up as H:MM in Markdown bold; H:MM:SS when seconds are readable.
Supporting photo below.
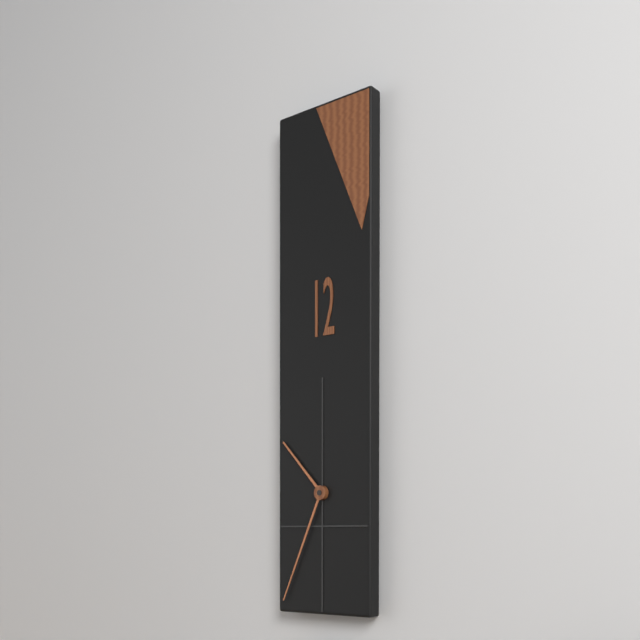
**10:34**
